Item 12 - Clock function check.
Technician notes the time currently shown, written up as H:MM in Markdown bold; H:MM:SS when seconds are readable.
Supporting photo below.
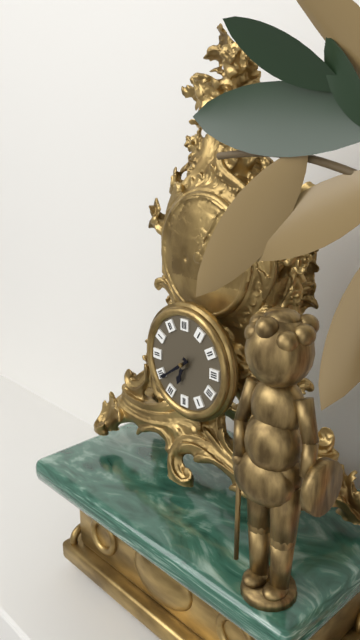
**6:39**
